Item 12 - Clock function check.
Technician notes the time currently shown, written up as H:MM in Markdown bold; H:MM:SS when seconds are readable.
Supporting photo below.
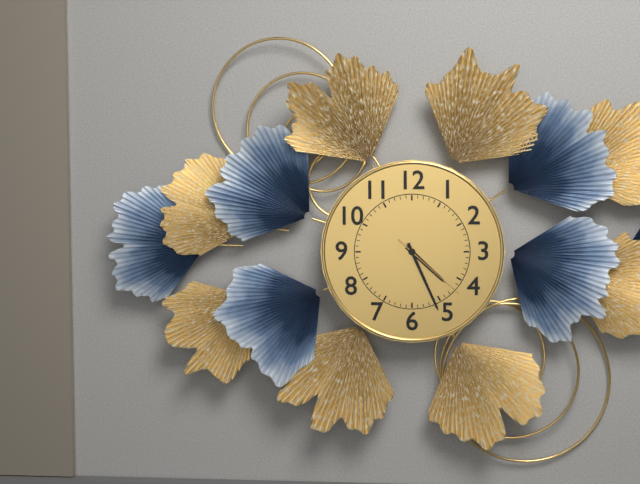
**4:26:22**
